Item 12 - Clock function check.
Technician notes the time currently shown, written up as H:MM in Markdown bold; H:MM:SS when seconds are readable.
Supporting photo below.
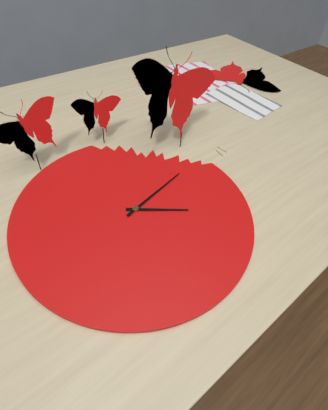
**4:13**
